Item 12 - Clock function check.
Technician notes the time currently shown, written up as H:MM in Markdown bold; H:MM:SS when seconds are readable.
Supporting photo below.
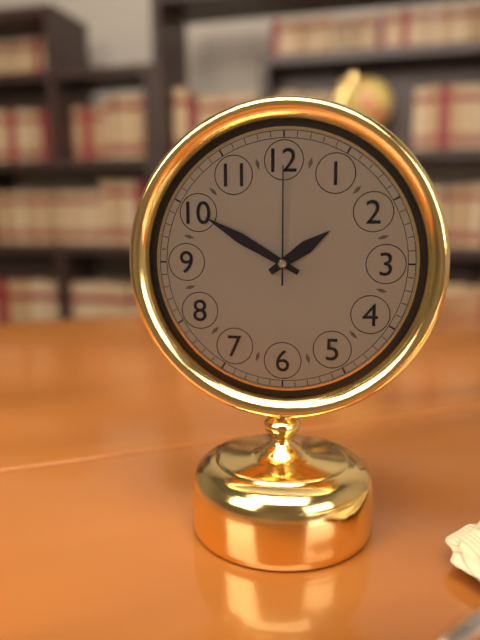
**1:50:00**
